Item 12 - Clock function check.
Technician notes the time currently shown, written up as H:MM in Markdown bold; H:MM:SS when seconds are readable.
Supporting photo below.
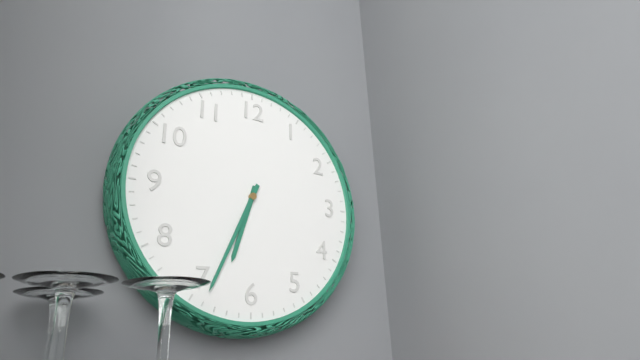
**6:34**
